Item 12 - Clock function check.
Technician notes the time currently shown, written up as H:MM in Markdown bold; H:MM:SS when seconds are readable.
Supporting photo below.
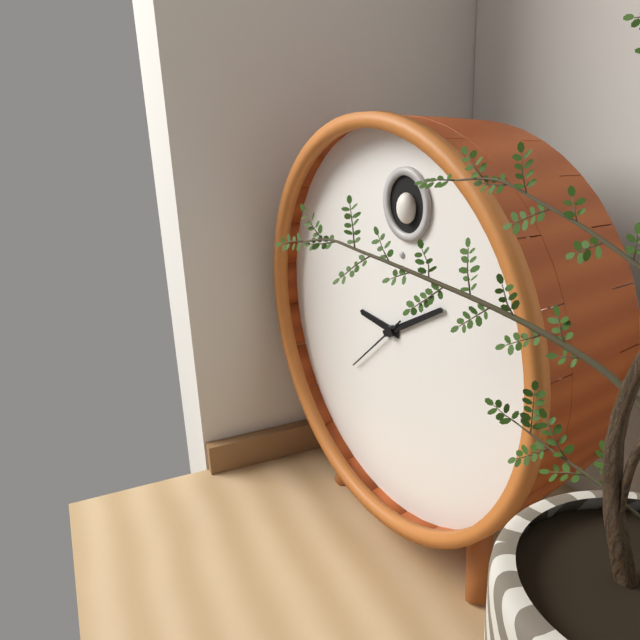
**9:10:38**
